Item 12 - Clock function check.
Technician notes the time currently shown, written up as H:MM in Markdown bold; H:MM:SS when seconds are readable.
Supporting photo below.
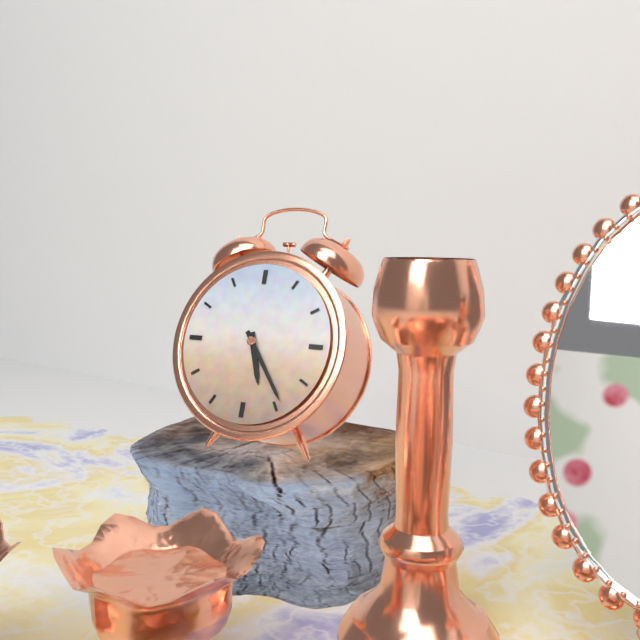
**5:24**
